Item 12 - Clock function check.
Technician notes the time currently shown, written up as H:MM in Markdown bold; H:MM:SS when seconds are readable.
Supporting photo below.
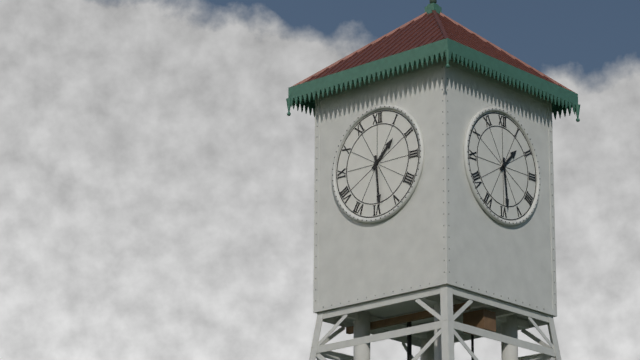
**1:29**
